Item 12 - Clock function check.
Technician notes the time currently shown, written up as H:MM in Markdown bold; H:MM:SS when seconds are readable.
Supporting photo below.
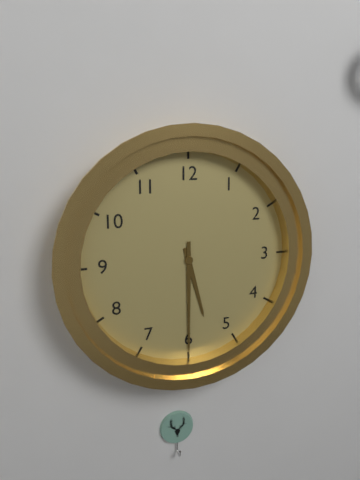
**5:30**
